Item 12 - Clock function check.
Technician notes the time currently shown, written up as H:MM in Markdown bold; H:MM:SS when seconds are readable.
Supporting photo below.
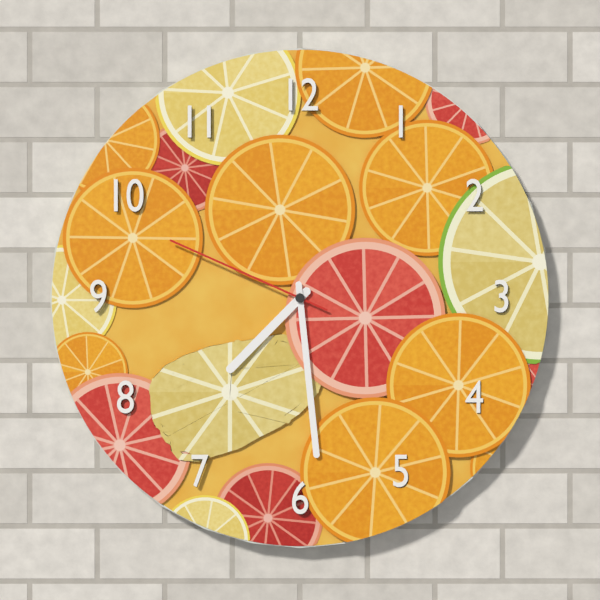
**7:29:49**
